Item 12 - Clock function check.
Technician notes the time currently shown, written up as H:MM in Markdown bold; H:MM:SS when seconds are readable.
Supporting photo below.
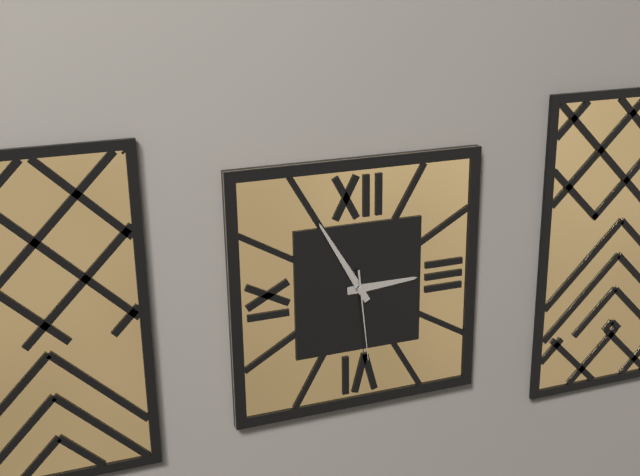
**2:55:29**
